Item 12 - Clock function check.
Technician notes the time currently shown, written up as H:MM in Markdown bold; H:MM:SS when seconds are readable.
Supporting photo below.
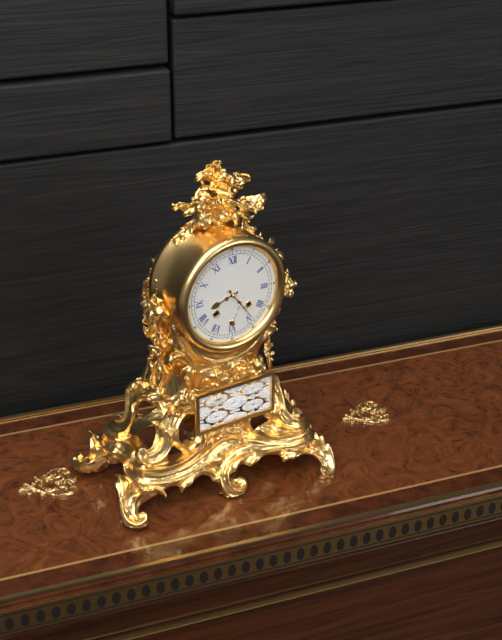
**8:24**
